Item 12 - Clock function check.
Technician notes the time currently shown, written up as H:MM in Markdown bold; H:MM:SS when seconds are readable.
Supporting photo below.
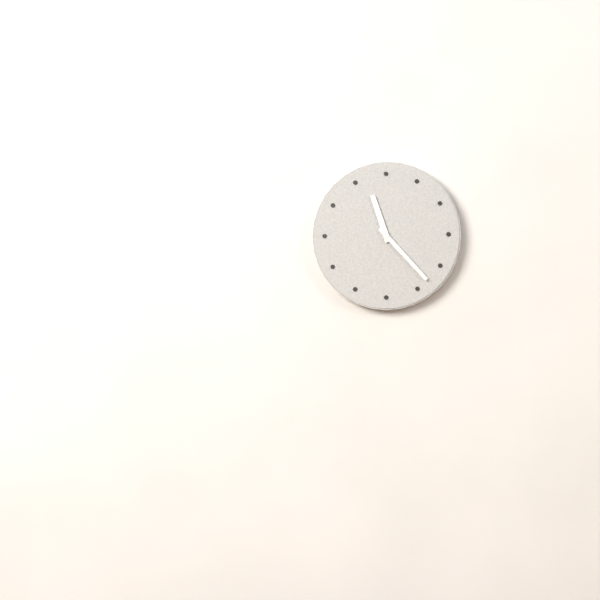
**11:23**
